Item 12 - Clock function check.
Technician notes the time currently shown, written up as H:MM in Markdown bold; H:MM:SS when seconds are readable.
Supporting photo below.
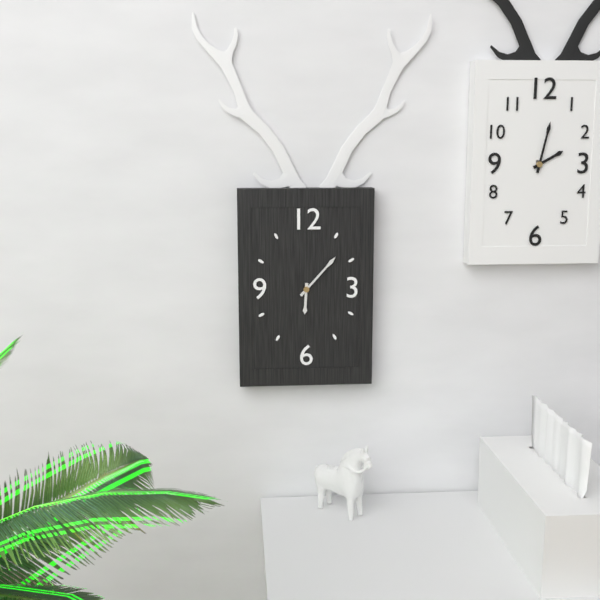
**6:07**
